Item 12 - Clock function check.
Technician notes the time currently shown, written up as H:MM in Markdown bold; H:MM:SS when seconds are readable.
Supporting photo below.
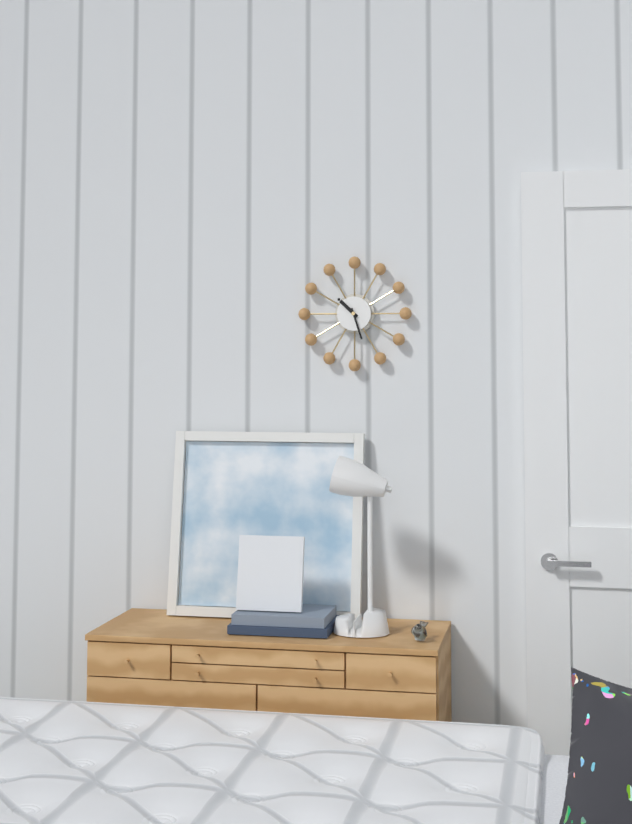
**10:27**
